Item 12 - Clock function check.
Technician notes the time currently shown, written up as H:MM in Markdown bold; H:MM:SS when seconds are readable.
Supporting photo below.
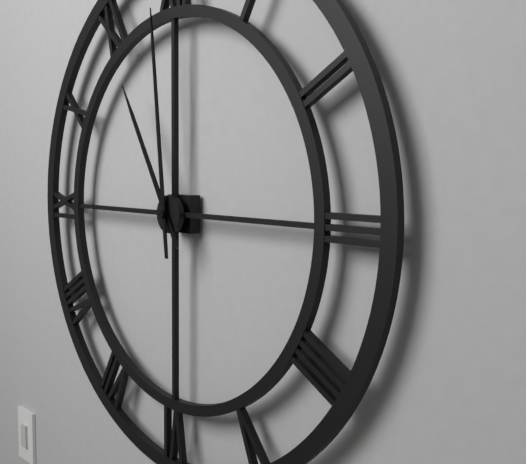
**10:59**
